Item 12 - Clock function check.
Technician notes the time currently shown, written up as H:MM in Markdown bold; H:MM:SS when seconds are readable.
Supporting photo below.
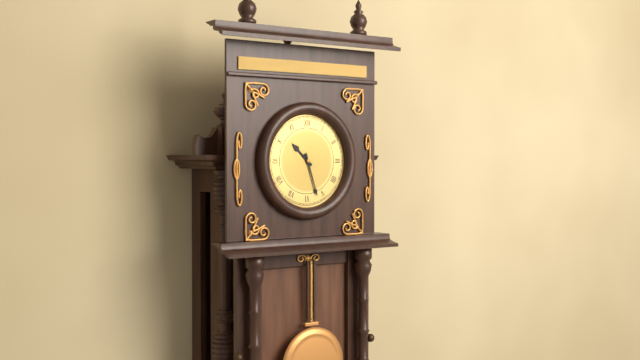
**10:27**
